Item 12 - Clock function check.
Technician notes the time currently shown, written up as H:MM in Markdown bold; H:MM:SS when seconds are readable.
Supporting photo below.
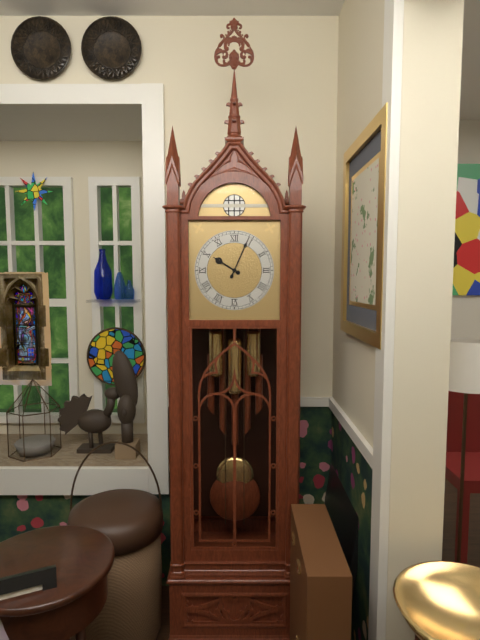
**10:04**
